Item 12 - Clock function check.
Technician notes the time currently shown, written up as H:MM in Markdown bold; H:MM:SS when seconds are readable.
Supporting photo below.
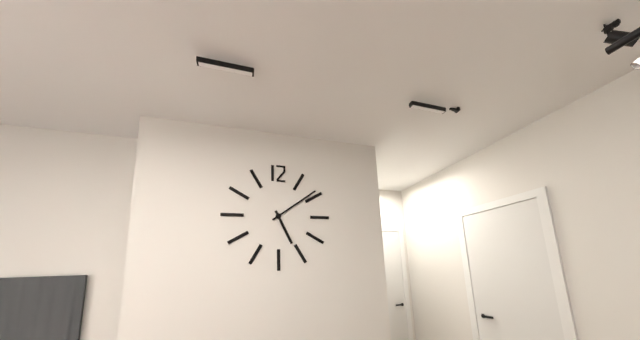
**5:09**
